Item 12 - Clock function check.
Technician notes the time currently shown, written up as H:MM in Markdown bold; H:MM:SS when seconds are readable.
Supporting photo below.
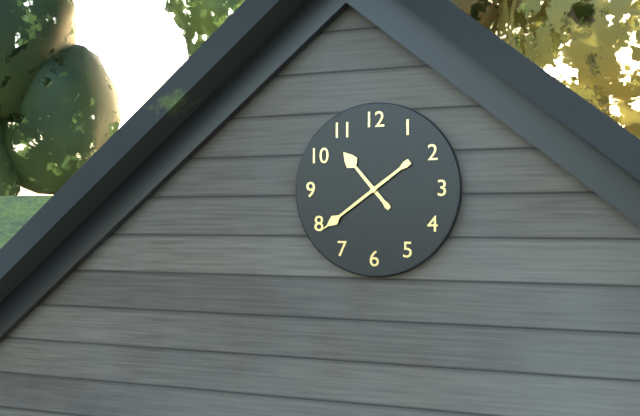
**10:39**
